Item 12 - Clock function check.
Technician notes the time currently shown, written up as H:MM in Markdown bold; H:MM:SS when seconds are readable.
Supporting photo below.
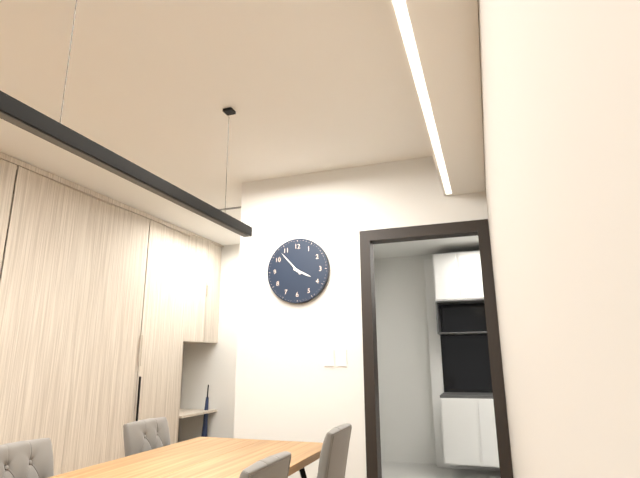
**3:53**
